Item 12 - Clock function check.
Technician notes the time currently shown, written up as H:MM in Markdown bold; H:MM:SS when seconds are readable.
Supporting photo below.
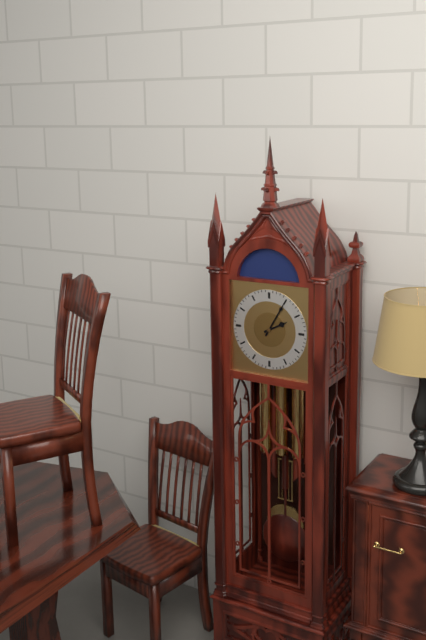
**2:05**
